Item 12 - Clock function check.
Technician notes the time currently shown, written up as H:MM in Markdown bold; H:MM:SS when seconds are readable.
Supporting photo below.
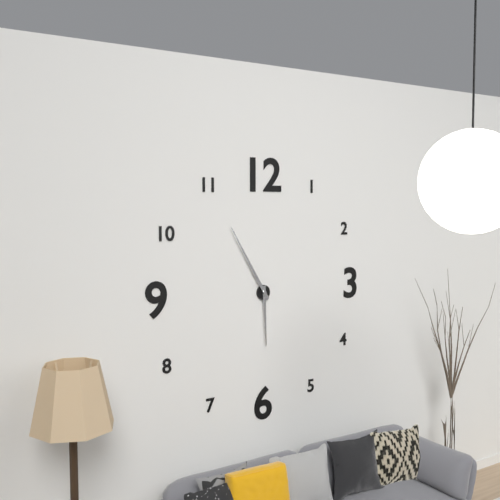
**5:55**
